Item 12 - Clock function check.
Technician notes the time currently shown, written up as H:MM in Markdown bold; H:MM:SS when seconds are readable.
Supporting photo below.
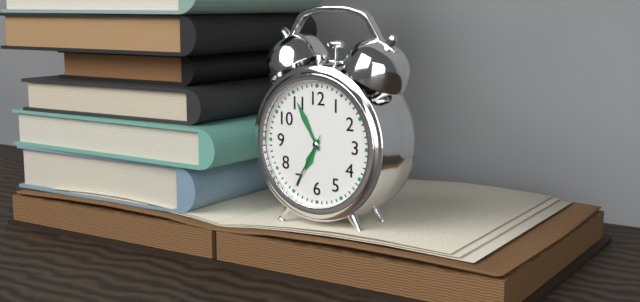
**6:55:35**
